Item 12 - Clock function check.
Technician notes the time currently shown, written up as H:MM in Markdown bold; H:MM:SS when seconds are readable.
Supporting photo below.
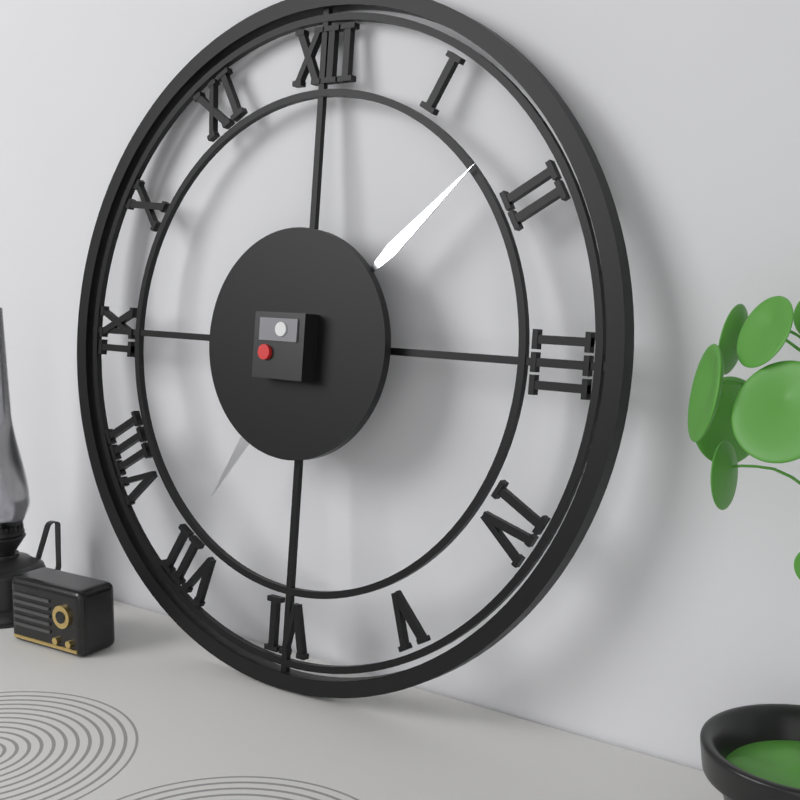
**7:08**
